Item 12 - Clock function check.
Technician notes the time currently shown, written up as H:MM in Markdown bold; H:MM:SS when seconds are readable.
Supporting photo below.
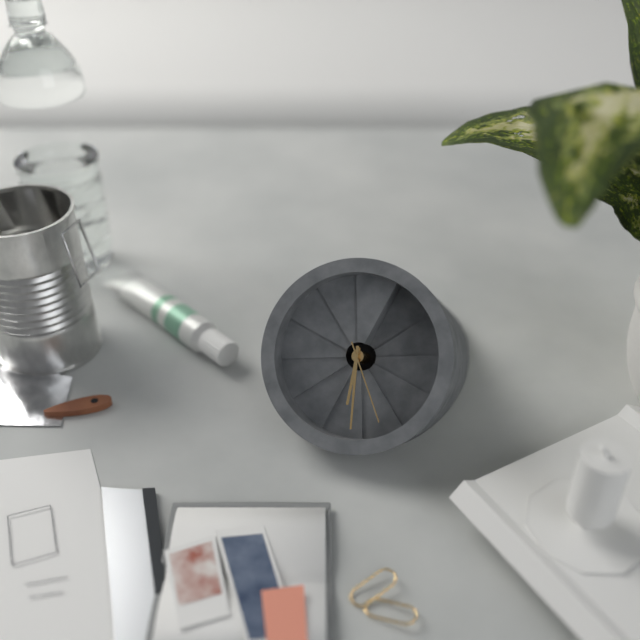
**5:26:22**
